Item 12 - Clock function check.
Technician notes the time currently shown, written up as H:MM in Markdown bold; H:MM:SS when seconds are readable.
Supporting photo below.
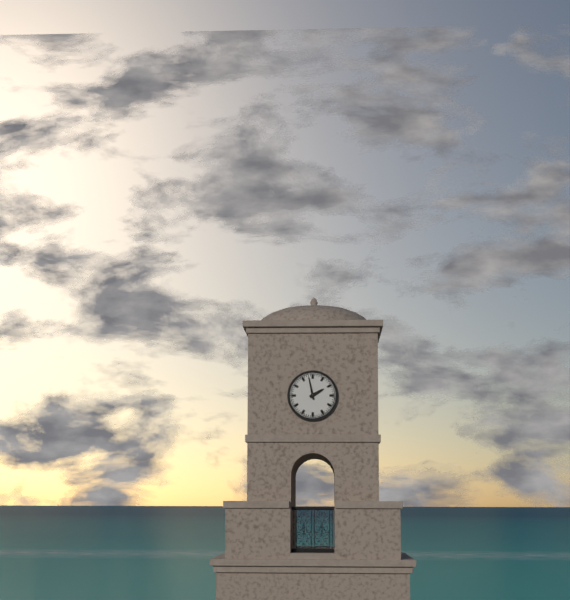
**1:58**
